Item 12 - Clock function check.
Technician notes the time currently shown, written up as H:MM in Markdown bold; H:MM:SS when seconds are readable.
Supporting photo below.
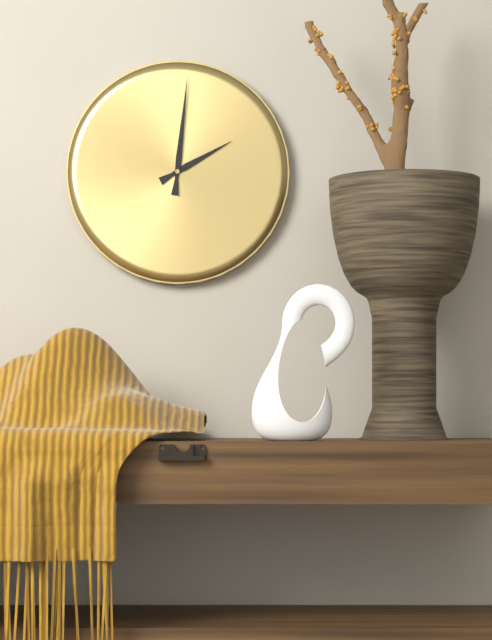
**2:01**
